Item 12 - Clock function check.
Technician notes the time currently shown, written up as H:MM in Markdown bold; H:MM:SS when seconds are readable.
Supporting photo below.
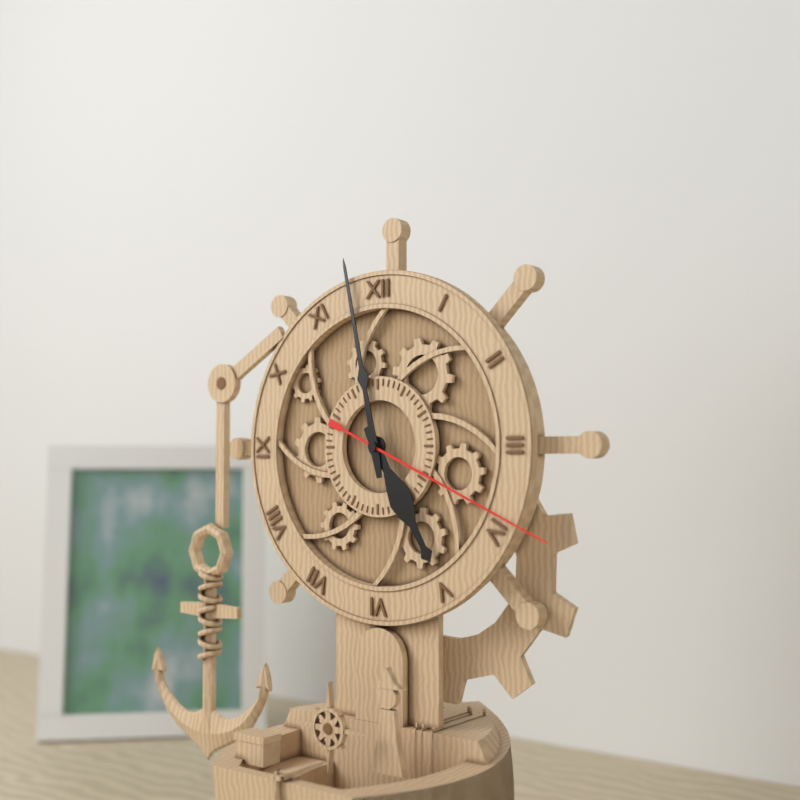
**4:58:19**
